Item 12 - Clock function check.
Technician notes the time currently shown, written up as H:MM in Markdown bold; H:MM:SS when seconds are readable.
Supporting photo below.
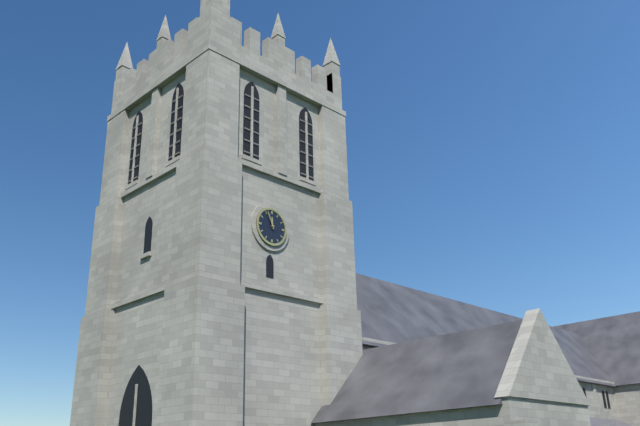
**11:56**
